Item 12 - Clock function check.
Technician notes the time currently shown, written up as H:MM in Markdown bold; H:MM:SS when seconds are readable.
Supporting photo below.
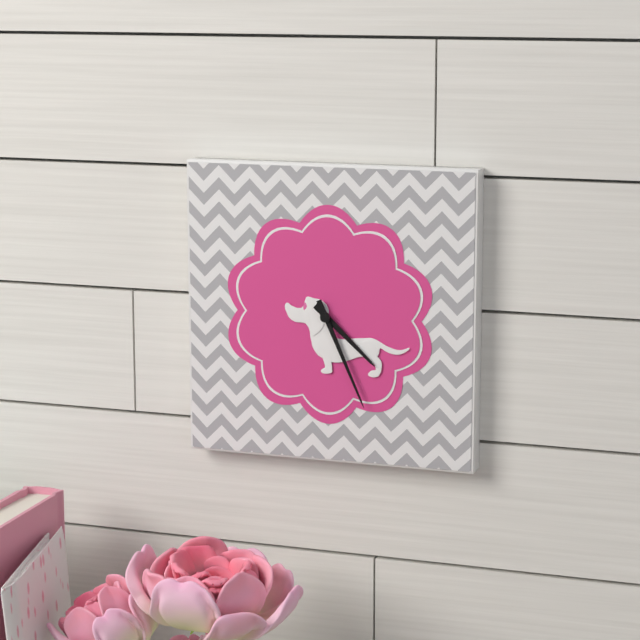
**4:26**
